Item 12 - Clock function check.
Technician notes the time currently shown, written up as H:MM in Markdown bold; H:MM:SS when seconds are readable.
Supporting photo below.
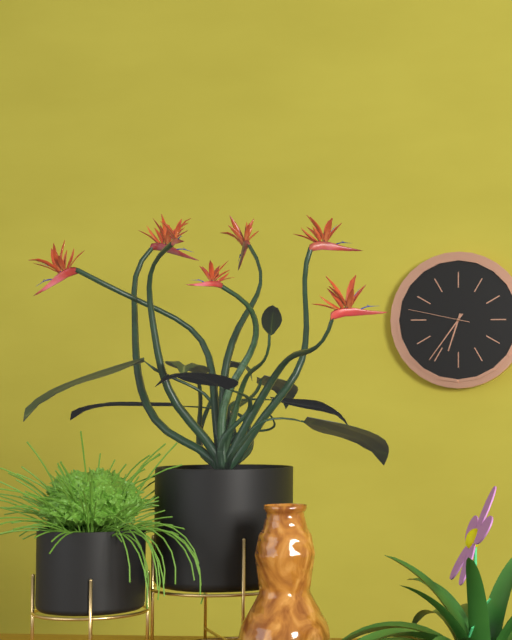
**6:36:47**
